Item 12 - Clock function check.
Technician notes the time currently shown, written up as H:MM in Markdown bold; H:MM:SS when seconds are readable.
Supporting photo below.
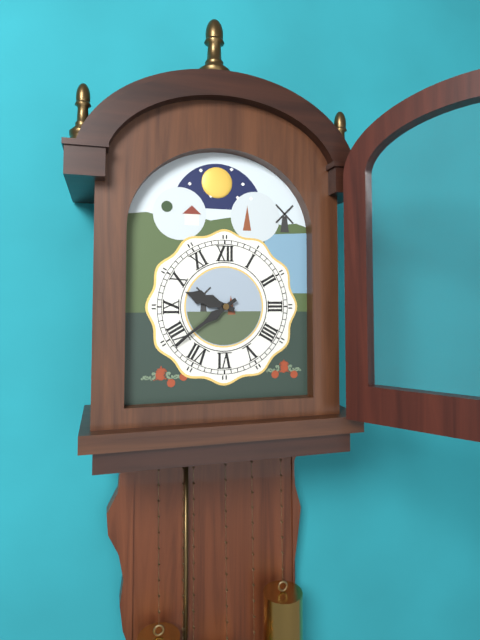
**9:39**
